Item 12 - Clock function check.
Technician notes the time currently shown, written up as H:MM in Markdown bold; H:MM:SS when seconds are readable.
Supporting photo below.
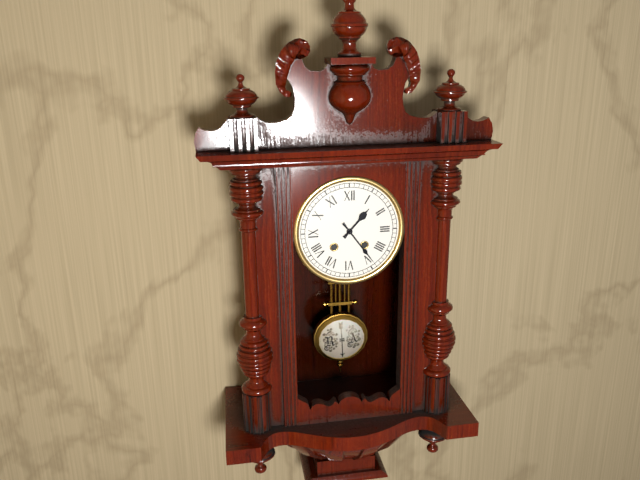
**1:24**
